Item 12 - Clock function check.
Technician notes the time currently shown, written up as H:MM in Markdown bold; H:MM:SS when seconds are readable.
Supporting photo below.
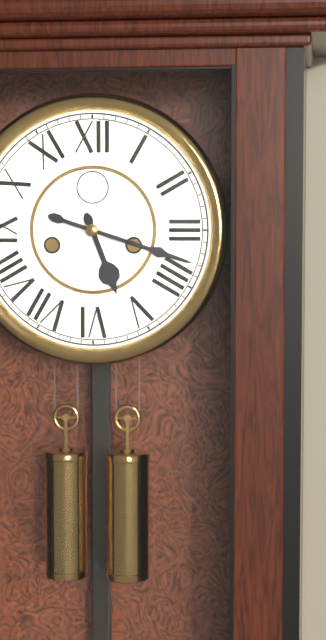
**5:18**
